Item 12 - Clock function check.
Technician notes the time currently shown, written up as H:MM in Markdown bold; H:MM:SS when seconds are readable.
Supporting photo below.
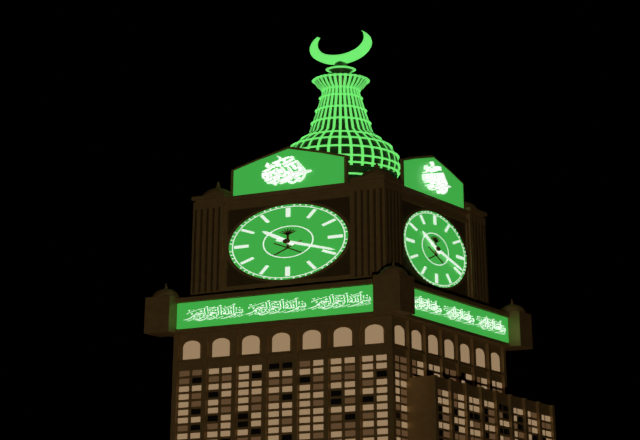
**10:19**
